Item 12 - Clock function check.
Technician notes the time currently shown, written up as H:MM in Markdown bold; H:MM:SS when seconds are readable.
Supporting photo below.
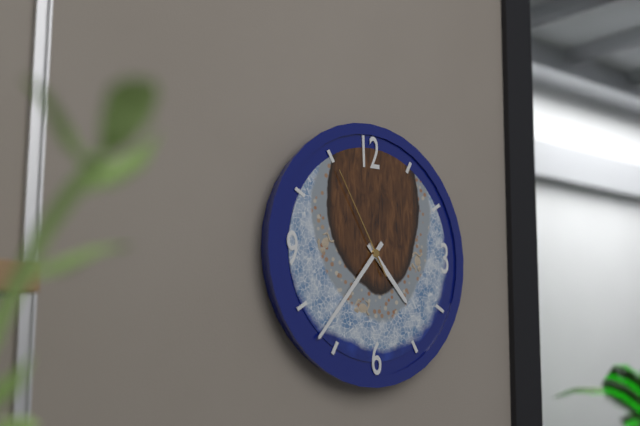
**4:37:55**
